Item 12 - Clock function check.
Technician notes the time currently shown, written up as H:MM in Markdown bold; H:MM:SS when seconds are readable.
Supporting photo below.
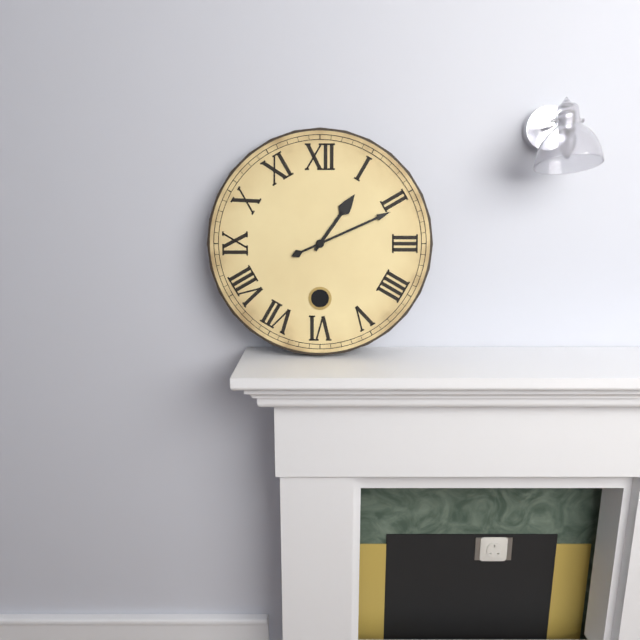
**1:11**
